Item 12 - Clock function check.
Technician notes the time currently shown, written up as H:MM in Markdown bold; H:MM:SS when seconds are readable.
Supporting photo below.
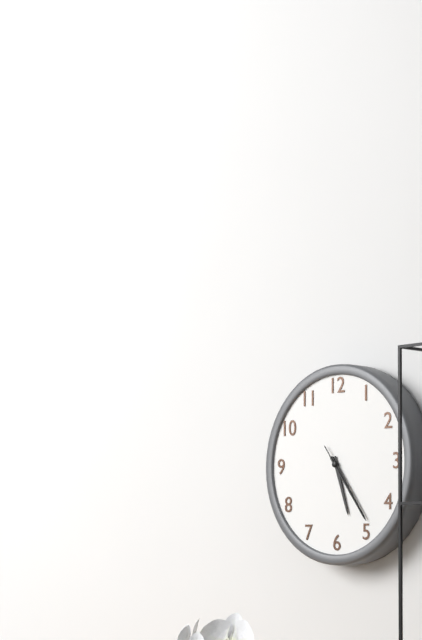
**5:24:24**
